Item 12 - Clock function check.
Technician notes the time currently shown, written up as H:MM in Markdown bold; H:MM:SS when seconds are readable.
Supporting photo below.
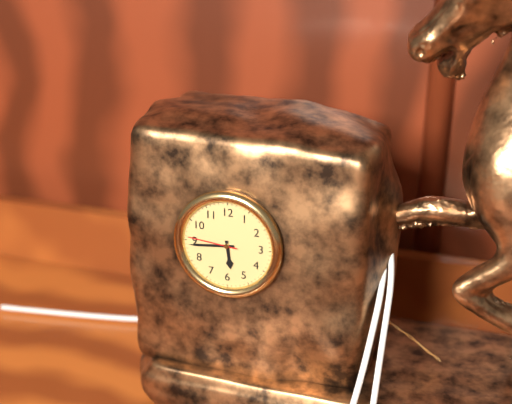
**5:44:46**
